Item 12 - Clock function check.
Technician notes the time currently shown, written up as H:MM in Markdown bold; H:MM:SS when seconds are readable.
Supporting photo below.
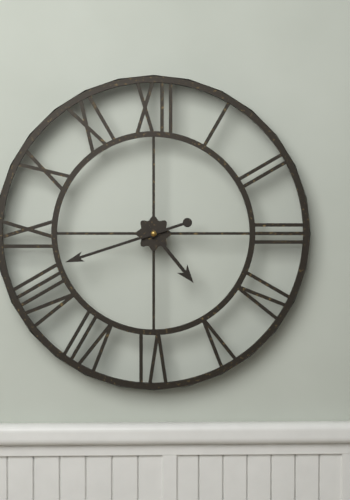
**4:42**
